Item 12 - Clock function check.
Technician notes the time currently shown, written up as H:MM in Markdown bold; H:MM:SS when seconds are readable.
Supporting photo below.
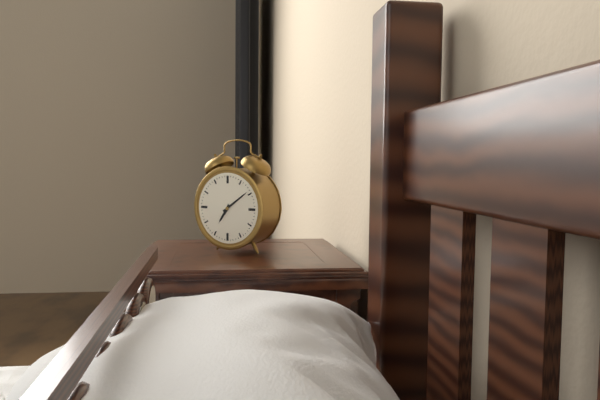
**7:09**
